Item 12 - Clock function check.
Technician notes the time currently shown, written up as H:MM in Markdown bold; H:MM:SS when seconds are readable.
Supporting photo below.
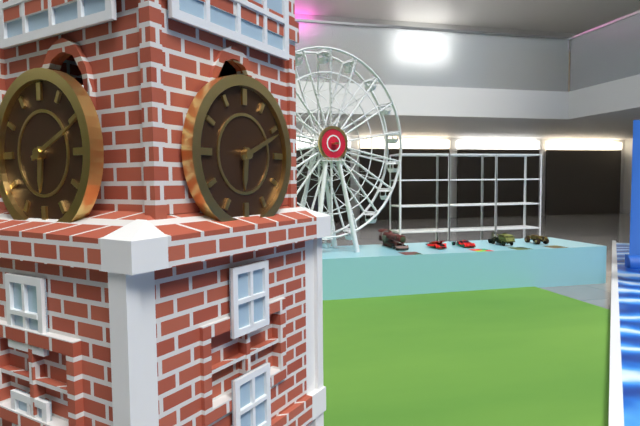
**6:11**
